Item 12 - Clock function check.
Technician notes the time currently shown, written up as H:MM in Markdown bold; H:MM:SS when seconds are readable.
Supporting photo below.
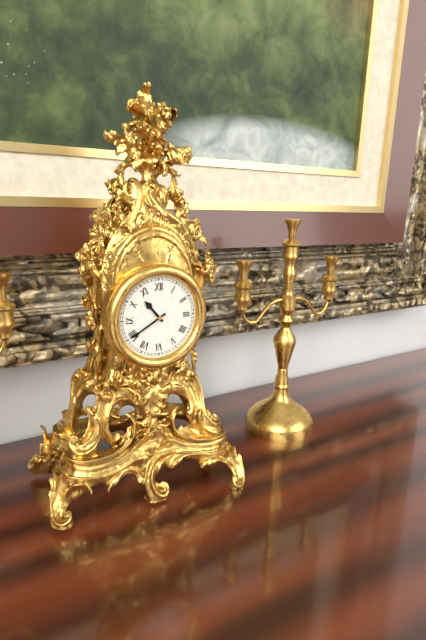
**10:40**
